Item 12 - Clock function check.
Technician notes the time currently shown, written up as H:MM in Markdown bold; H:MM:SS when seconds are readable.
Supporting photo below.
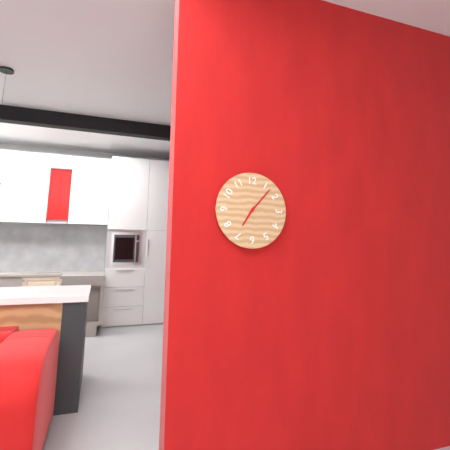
**7:07**
